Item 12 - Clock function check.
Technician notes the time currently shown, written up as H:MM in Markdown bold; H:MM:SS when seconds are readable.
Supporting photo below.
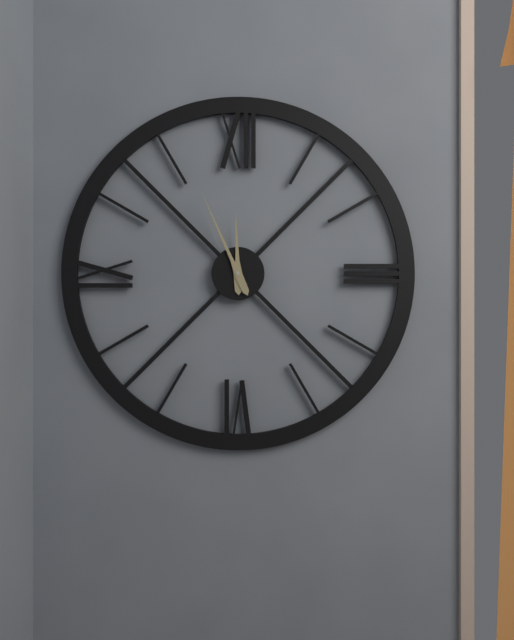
**11:56**
